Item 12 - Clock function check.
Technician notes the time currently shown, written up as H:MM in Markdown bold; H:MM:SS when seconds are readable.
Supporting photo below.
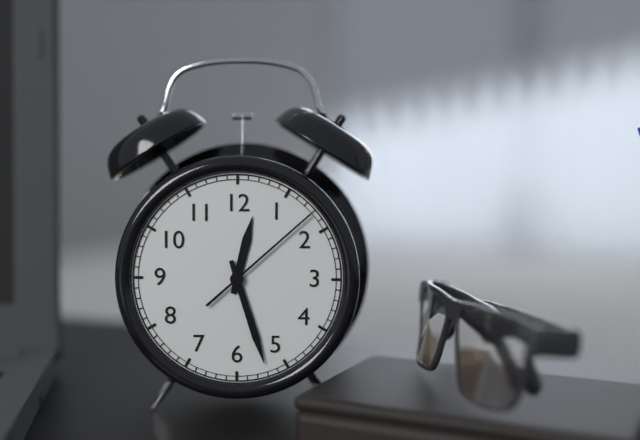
**12:27:08**
